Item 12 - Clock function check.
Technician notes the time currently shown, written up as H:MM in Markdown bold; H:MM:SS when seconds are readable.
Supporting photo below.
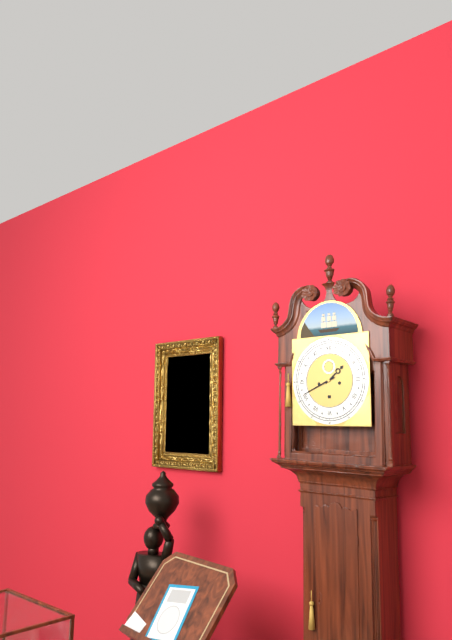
**1:41**
